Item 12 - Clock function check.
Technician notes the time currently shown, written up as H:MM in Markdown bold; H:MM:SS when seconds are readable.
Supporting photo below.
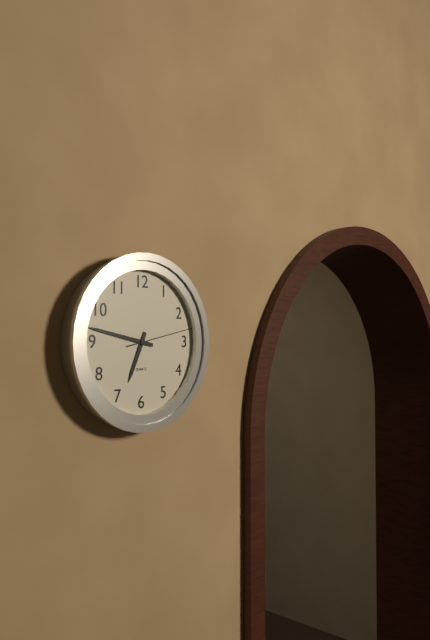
**6:47:13**
